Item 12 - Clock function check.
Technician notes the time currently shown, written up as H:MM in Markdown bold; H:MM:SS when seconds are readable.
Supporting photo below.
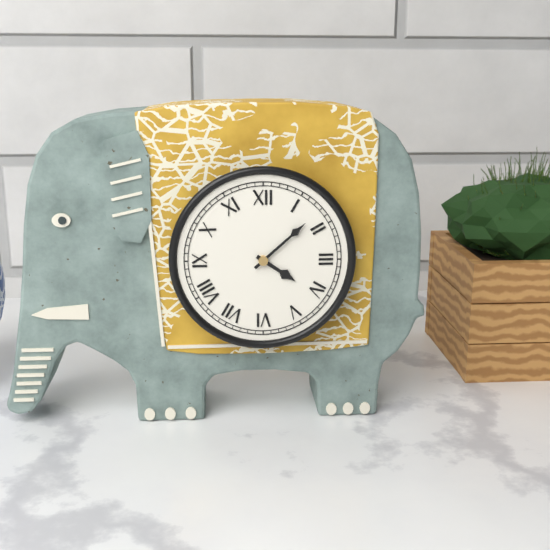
**4:08**
